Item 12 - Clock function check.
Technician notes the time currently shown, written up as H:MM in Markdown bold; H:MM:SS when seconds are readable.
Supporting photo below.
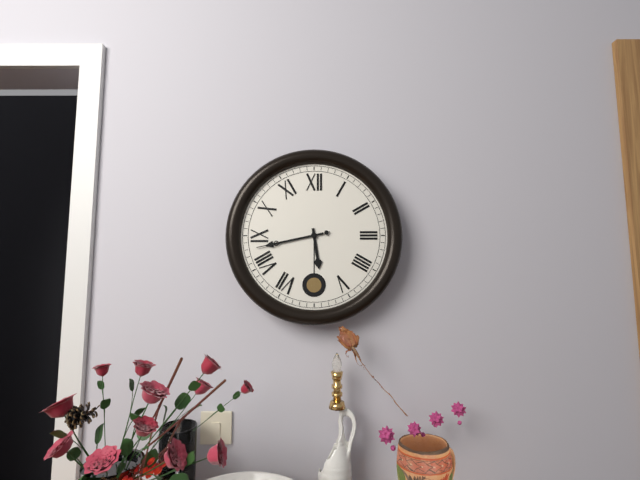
**5:43:43**
